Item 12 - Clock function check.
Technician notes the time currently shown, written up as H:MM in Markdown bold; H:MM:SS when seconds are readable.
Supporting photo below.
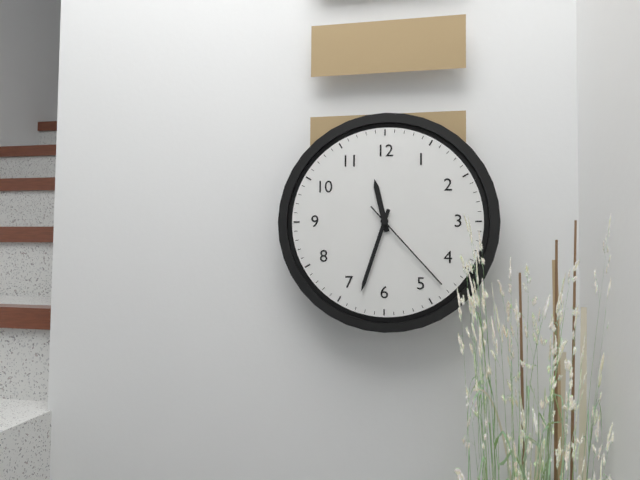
**11:33:23**
